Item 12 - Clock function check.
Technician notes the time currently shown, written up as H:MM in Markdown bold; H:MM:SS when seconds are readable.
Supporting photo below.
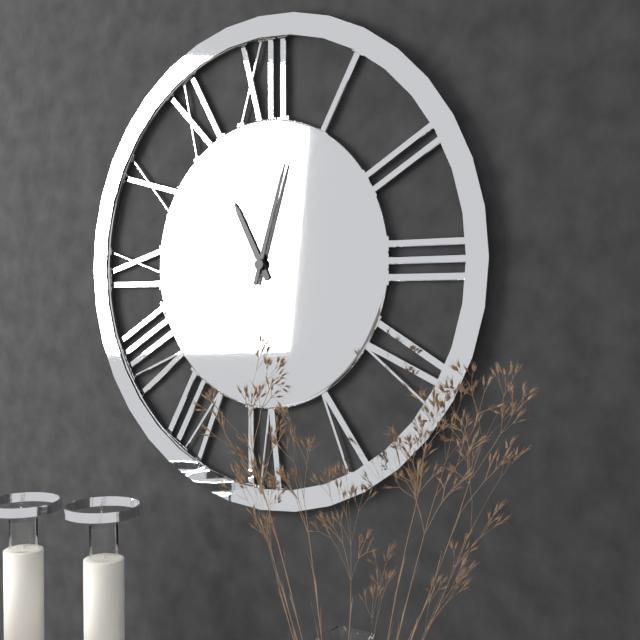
**11:03**
